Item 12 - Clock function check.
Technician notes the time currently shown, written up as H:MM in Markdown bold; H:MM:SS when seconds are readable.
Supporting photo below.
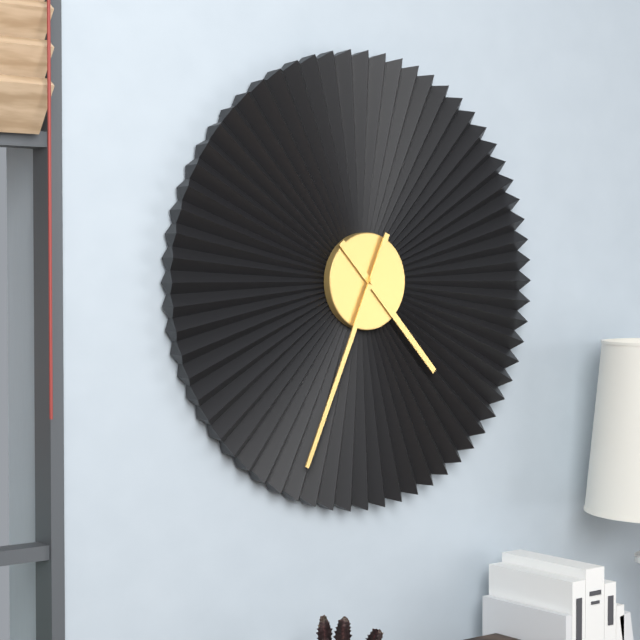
**4:34**
